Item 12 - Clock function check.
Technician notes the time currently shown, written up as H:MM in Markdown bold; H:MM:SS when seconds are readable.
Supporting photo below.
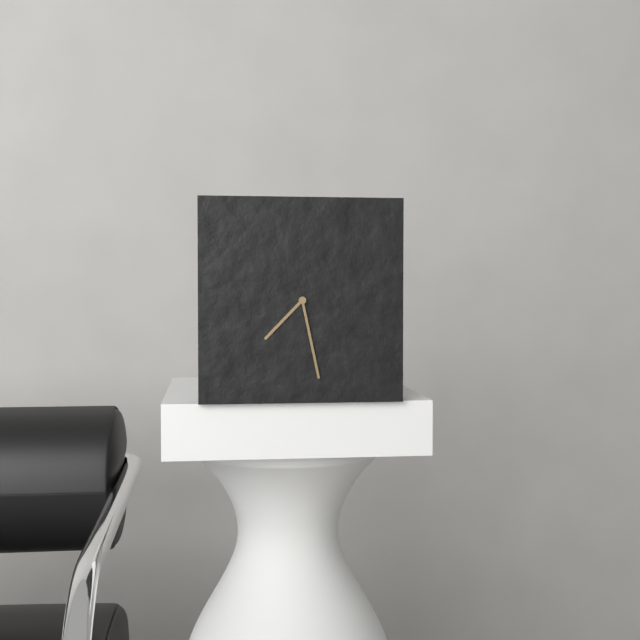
**7:28**
